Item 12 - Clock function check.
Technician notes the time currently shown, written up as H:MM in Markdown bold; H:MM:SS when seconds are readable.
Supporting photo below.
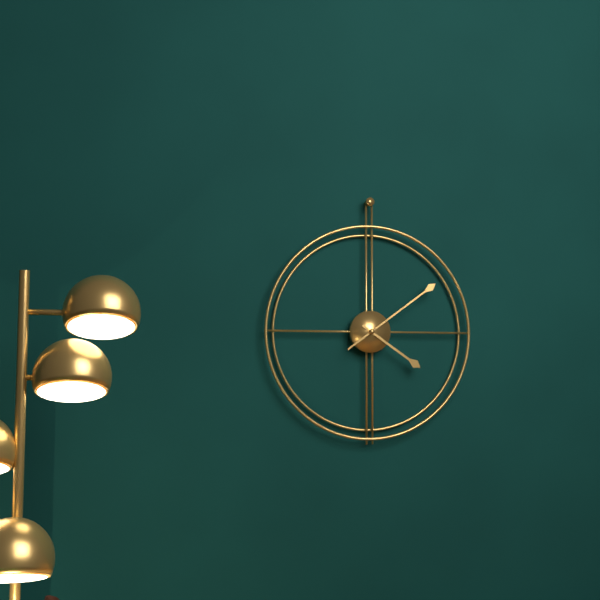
**4:09**
